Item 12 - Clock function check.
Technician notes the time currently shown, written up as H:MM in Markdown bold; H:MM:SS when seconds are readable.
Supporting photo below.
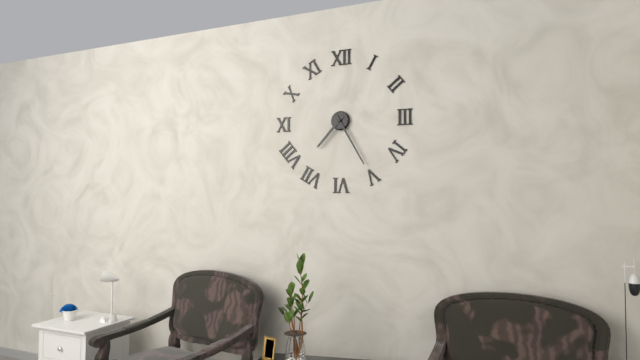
**7:25**
